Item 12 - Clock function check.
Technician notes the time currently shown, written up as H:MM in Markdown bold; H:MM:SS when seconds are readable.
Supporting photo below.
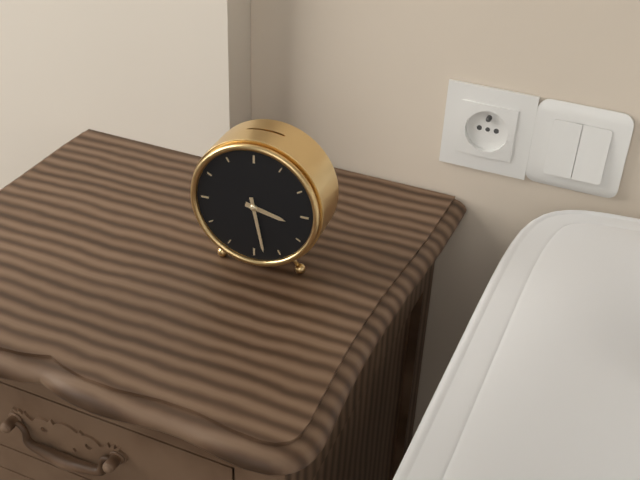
**3:28**
